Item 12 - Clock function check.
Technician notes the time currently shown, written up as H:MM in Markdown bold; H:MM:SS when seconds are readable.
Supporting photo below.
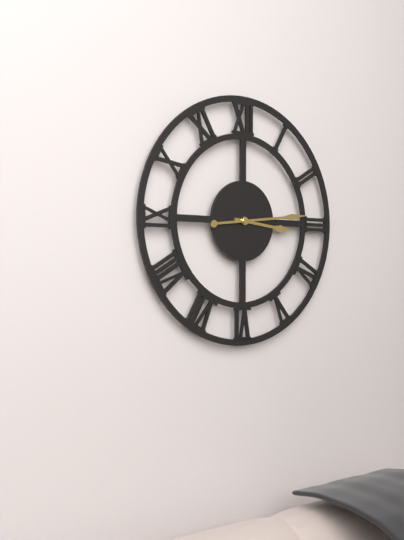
**3:14**
